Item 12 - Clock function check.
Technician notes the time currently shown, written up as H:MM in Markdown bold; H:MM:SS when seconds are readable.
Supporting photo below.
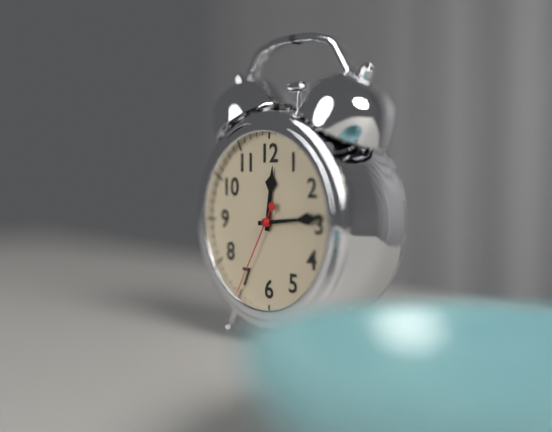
**12:14:35**
